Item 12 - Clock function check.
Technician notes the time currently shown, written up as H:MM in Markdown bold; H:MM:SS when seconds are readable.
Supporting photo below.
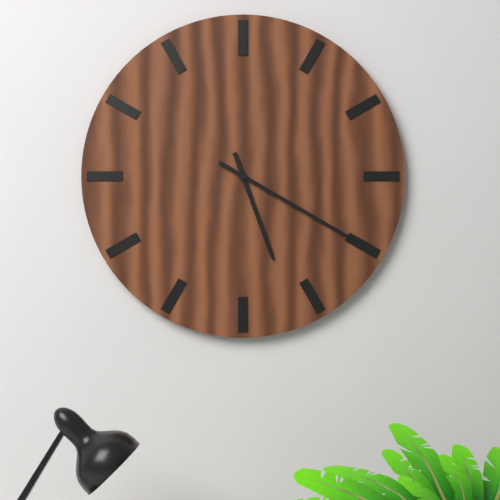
**5:20**
